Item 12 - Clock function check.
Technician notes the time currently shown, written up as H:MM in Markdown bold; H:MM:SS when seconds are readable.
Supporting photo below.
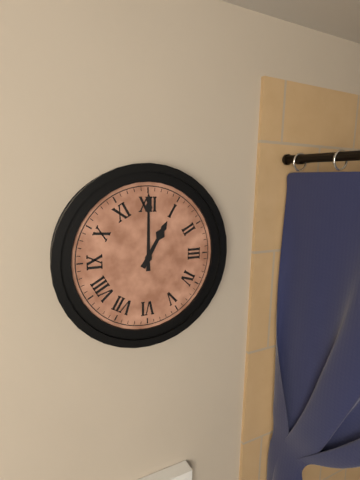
**1:00**
